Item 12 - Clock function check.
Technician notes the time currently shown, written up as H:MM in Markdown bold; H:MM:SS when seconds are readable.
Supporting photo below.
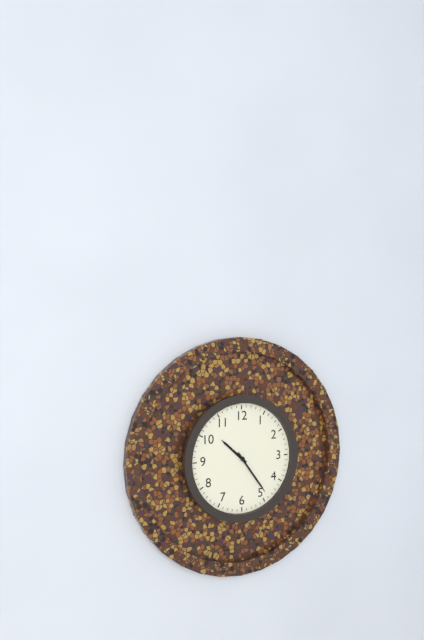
**10:24**
